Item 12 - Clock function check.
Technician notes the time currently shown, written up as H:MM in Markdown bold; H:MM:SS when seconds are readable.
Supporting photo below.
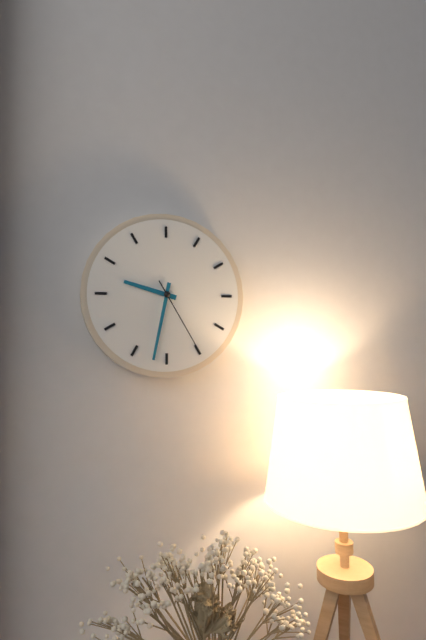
**9:32:25**
